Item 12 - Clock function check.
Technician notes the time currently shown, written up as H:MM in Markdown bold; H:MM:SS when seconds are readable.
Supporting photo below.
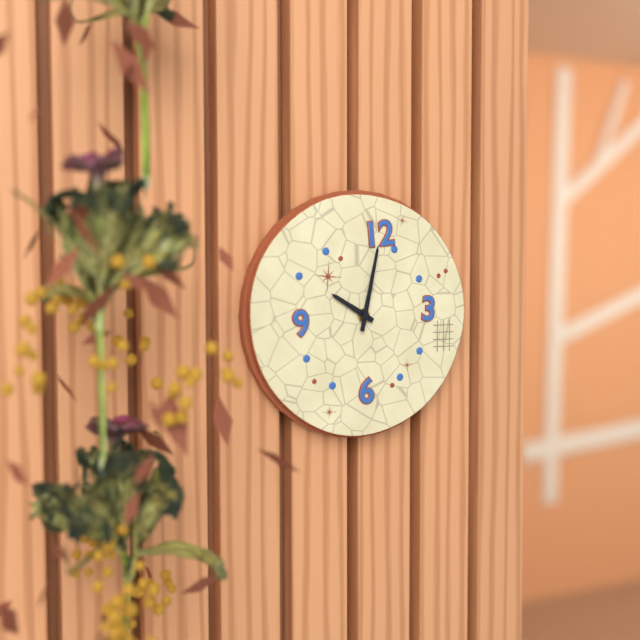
**10:02**
